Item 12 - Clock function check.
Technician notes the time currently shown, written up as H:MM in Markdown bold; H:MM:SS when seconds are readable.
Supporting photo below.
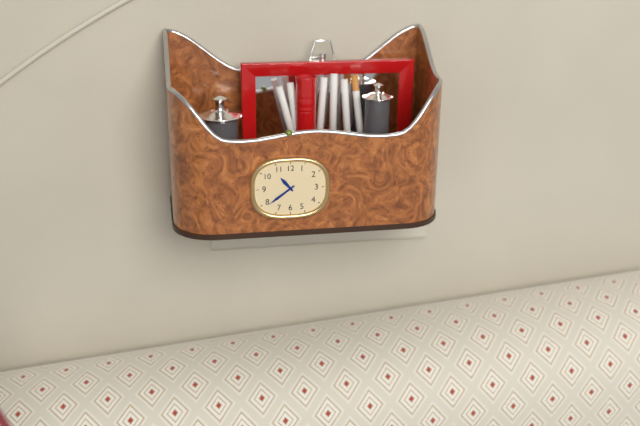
**10:39**
